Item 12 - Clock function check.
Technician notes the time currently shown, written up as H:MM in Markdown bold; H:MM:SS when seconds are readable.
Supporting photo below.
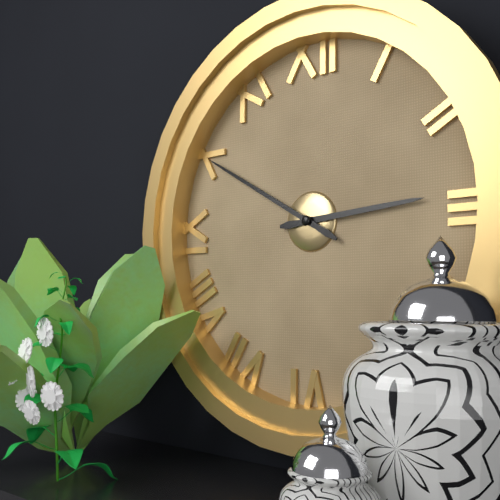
**2:50**
